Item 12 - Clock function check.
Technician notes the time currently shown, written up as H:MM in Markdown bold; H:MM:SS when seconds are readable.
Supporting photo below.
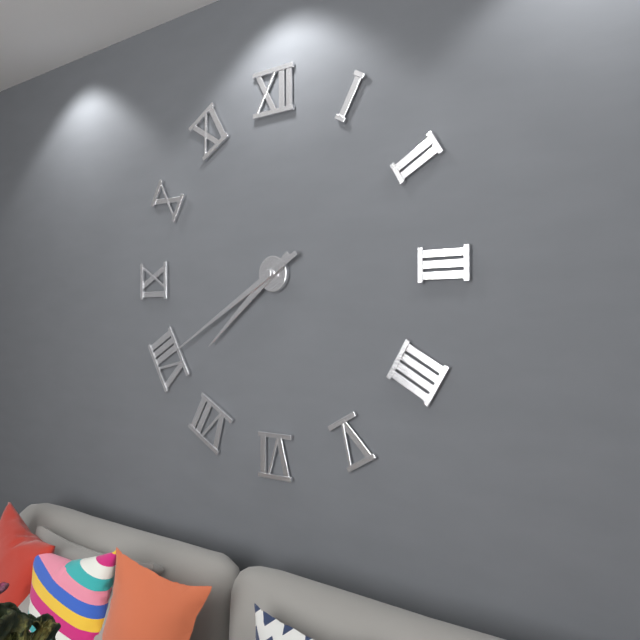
**7:40**
